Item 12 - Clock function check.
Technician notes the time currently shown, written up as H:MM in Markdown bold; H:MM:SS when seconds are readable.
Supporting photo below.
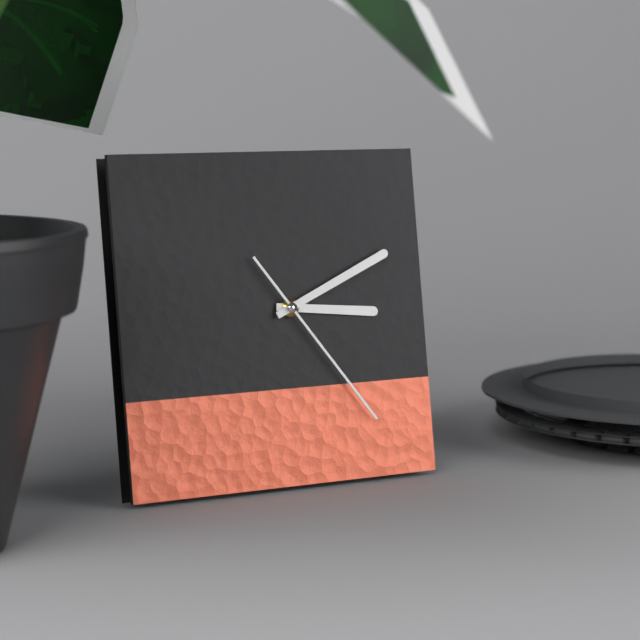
**3:11:24**
